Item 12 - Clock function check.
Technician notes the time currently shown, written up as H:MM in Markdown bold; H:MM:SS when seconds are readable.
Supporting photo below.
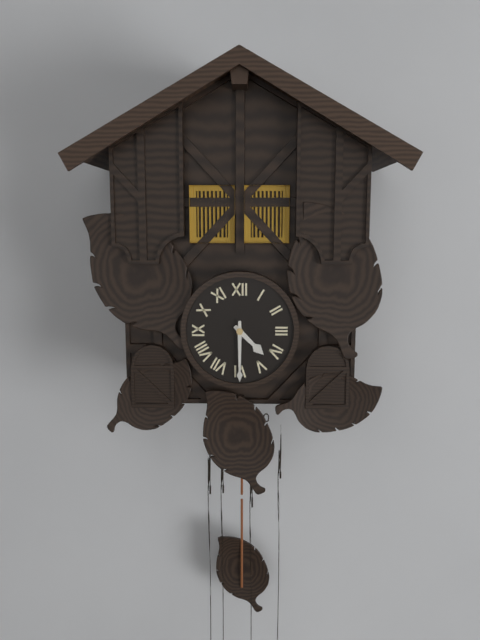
**4:30**
